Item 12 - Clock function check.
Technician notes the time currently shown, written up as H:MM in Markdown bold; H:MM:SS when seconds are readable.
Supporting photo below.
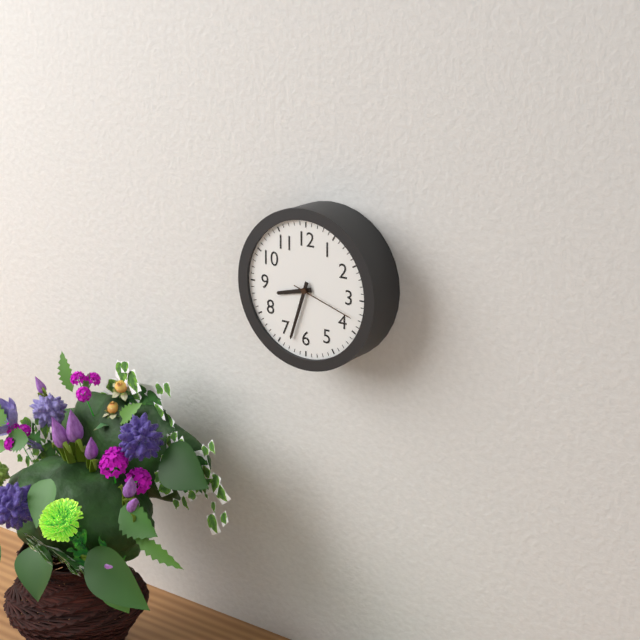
**8:33:18**
